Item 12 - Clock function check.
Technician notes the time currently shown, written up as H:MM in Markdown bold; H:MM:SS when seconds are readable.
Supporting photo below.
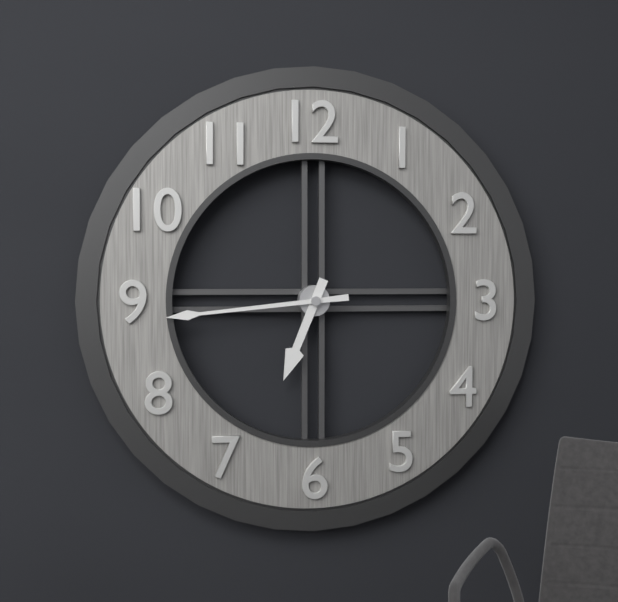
**6:44**
